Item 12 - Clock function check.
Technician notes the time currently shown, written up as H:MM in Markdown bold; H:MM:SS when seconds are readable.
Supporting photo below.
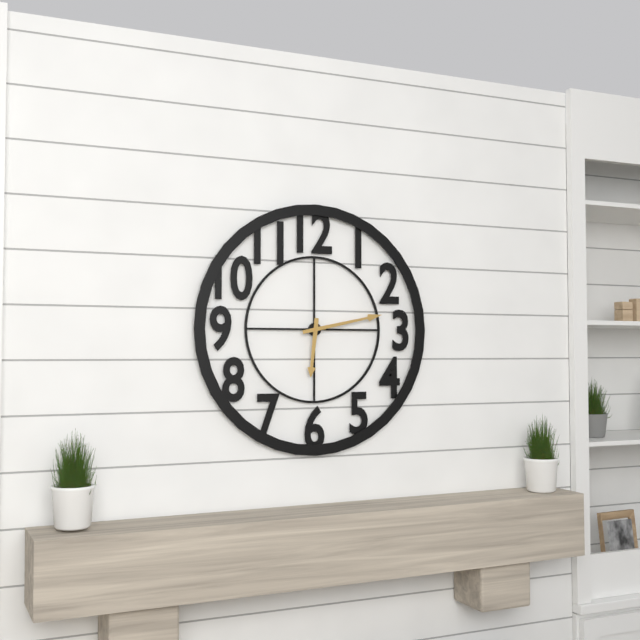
**6:13**
